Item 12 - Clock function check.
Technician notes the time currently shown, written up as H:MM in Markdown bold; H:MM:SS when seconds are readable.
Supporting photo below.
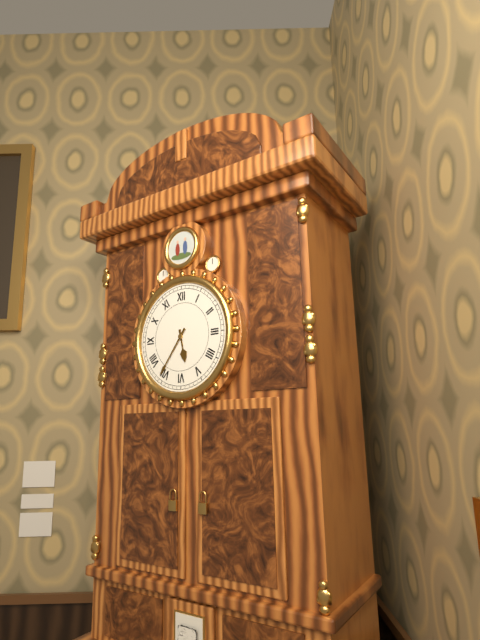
**5:36**
